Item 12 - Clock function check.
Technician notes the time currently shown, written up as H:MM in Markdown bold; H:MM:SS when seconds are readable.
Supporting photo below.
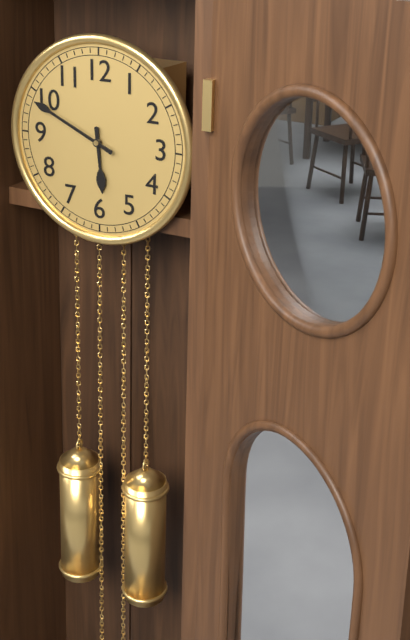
**5:49**
